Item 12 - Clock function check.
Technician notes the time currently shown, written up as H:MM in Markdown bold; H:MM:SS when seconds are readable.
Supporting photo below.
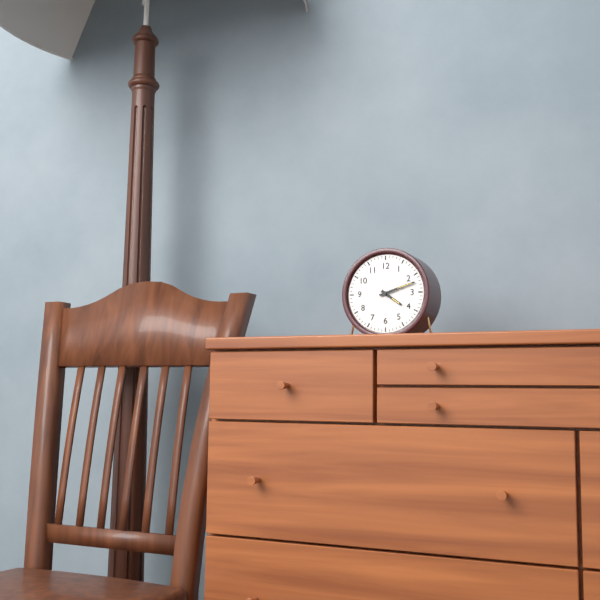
**4:12**
